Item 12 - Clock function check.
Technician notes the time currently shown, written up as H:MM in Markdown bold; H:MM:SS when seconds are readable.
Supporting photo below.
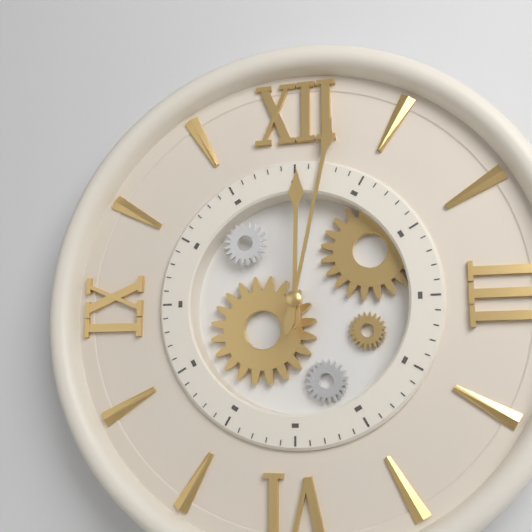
**12:02**
